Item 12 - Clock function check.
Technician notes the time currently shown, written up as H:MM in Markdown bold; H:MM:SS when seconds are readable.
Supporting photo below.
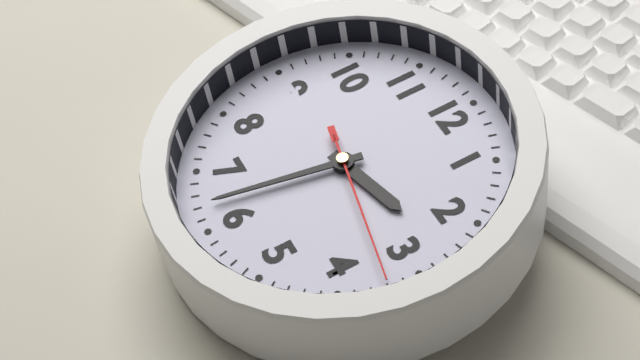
**2:32:17**
